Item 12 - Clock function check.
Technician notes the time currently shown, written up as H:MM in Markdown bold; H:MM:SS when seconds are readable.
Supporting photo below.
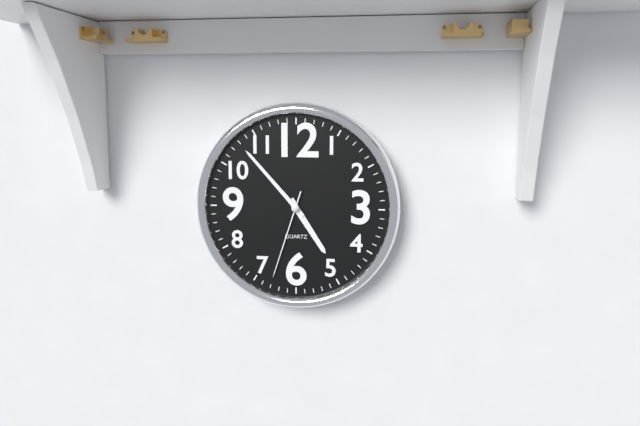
**4:53:33**
